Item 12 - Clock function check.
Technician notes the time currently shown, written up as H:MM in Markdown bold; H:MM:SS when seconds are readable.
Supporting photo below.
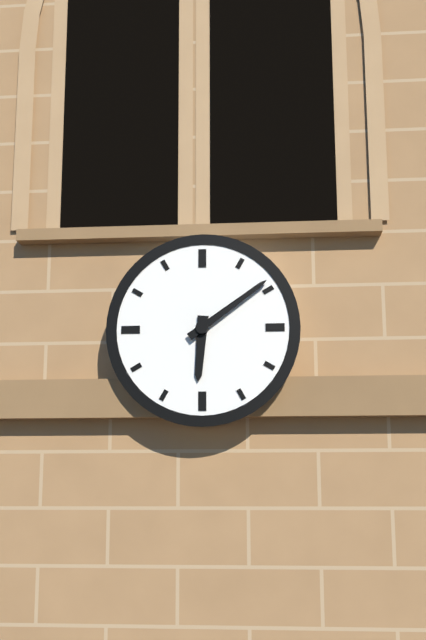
**6:09**
